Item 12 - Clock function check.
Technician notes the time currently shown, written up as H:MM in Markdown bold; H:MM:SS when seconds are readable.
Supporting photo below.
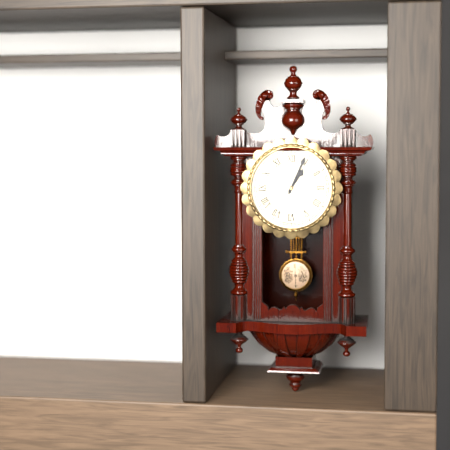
**1:04**
